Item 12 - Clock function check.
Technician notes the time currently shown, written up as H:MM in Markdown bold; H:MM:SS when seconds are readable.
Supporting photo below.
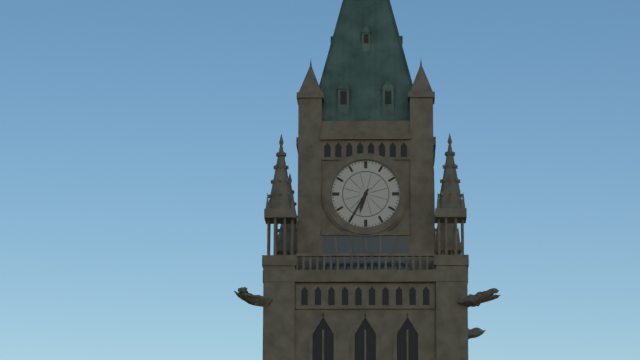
**6:35**
